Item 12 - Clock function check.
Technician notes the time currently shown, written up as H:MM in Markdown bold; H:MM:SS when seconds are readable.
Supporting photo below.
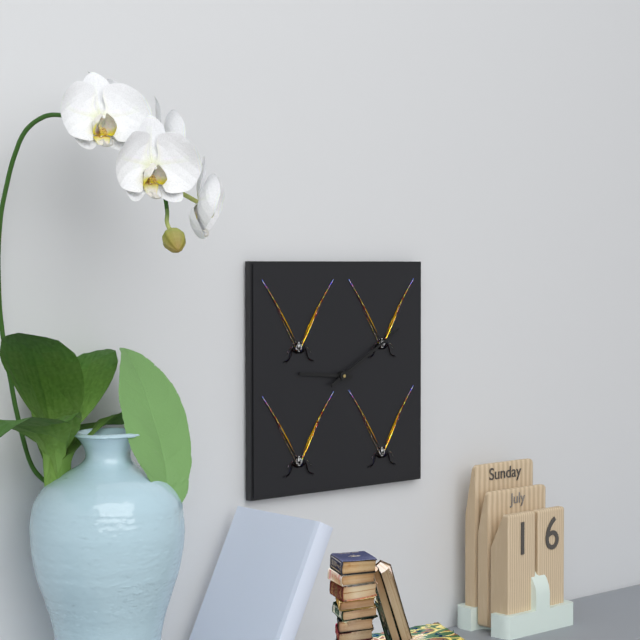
**9:10**
